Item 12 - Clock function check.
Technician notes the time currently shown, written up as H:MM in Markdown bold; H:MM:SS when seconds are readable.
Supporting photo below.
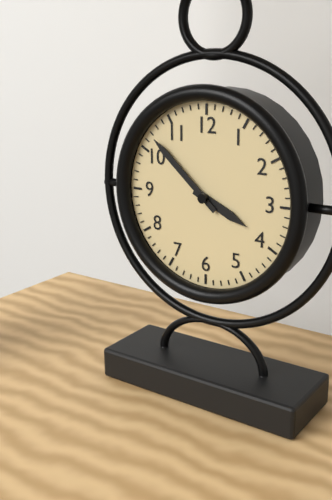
**3:52**
